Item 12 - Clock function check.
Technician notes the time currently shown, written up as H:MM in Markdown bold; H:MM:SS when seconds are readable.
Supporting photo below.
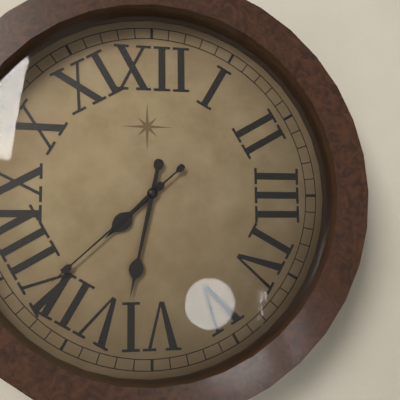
**7:32:38**
